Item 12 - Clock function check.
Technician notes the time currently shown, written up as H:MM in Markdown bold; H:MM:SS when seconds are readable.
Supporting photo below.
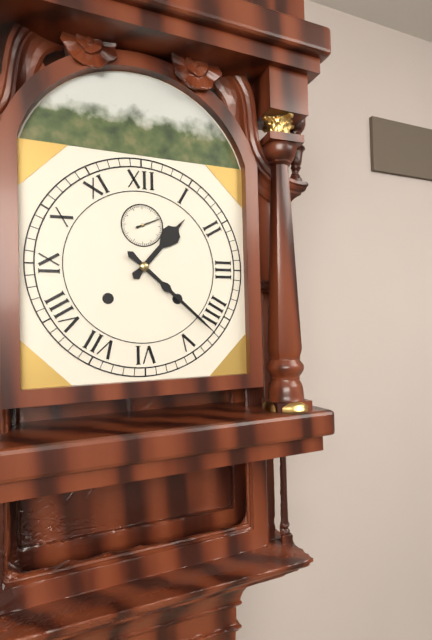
**1:22**
